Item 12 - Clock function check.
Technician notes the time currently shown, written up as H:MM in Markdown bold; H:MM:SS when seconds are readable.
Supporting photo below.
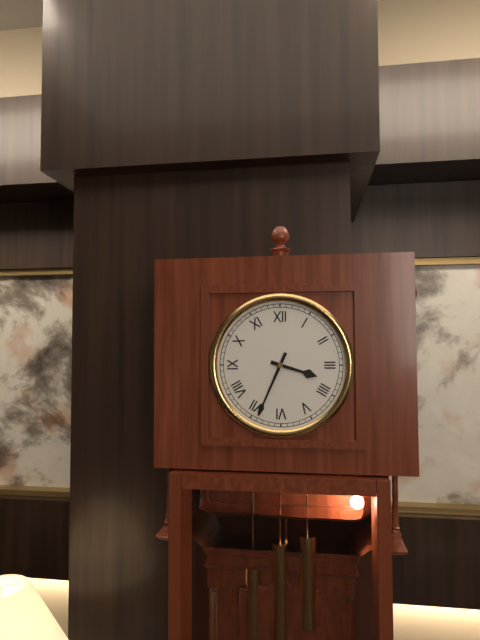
**3:34**
